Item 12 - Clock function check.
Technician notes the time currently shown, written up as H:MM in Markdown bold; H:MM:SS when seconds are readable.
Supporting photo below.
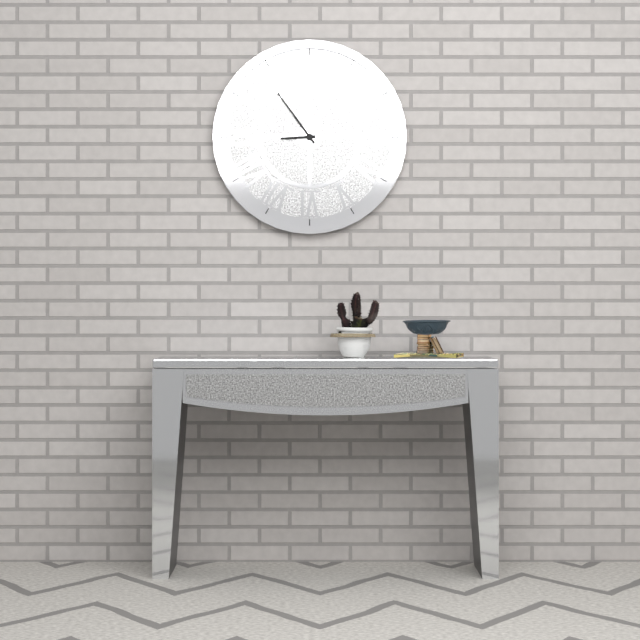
**8:54**
